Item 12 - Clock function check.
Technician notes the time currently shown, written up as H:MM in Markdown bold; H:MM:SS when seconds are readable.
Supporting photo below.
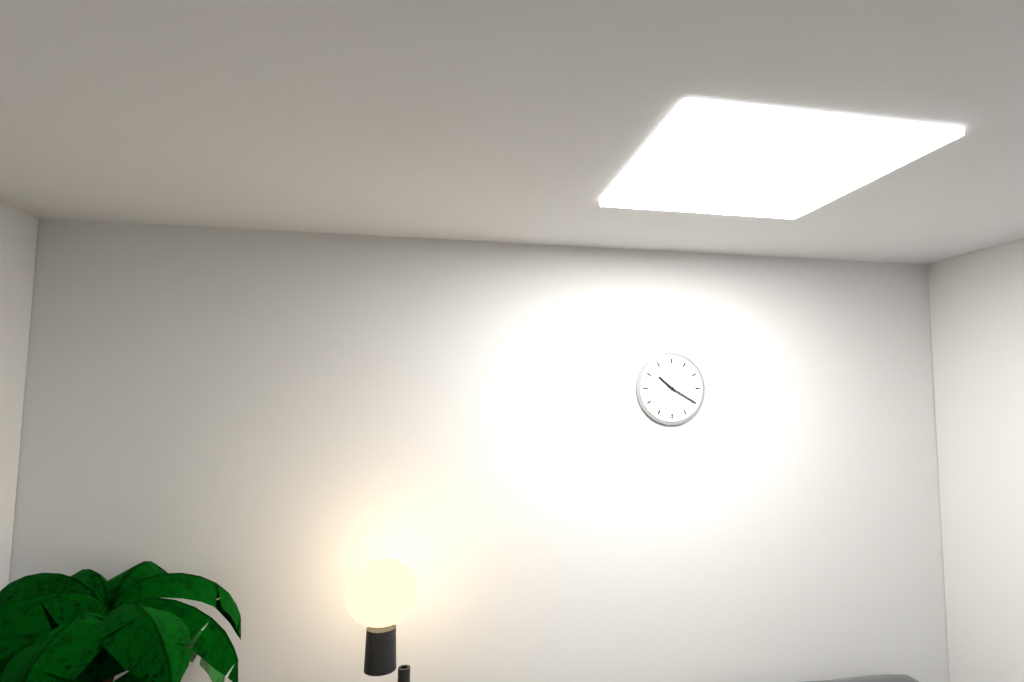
**10:20**
